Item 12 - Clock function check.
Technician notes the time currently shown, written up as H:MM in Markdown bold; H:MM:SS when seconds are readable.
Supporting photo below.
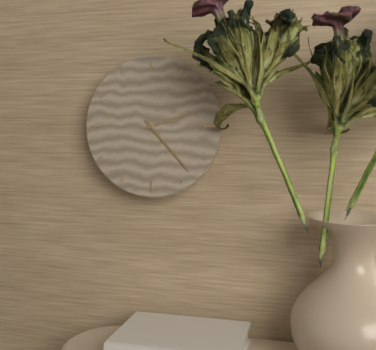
**2:23**
